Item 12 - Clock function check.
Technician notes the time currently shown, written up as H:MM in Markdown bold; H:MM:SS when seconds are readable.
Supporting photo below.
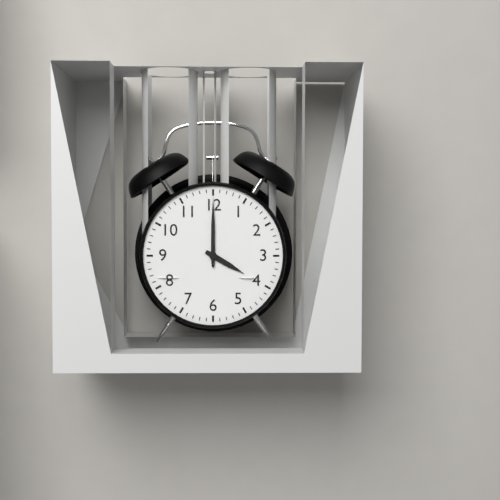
**4:00**
